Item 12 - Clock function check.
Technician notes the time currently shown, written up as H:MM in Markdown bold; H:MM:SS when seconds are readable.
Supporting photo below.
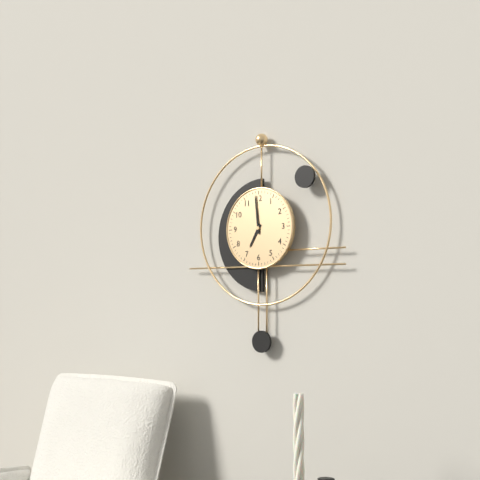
**6:59**
